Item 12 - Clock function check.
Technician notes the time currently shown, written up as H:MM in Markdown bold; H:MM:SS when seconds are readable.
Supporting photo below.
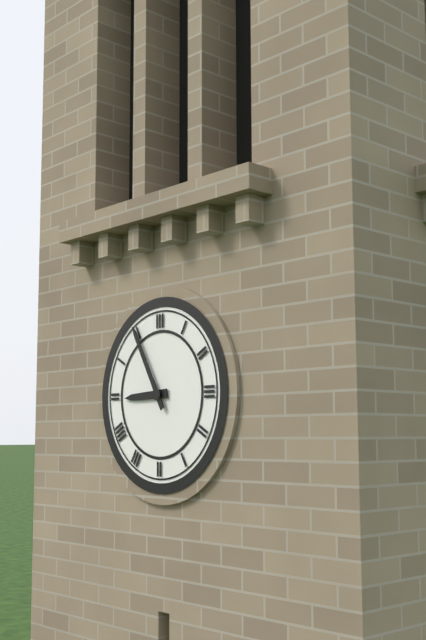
**8:55**
